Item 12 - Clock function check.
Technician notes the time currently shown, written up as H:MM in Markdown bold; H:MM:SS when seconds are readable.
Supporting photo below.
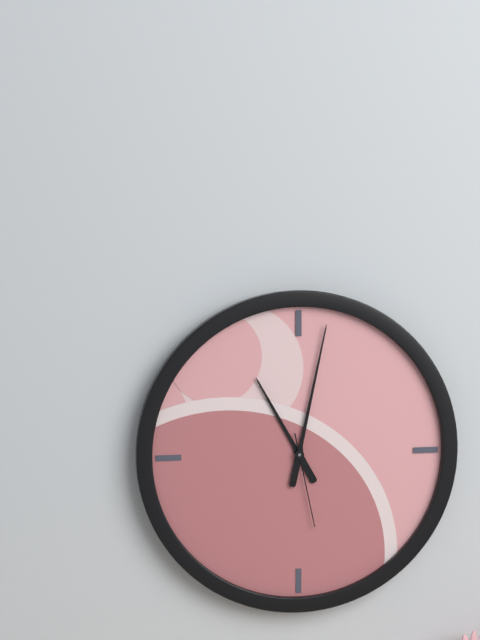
**11:02:28**
